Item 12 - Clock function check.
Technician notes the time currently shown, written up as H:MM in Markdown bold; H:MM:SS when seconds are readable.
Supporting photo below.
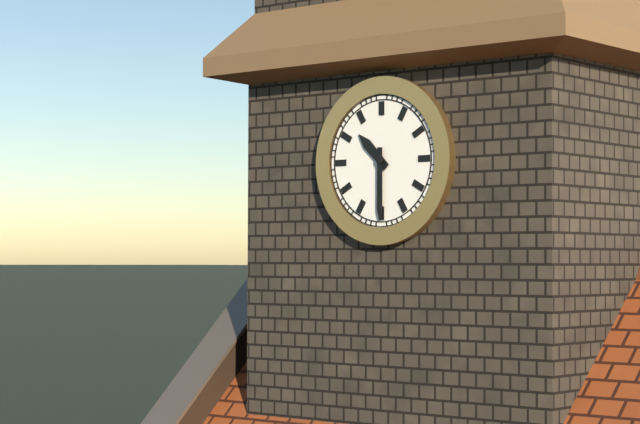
**10:30**
